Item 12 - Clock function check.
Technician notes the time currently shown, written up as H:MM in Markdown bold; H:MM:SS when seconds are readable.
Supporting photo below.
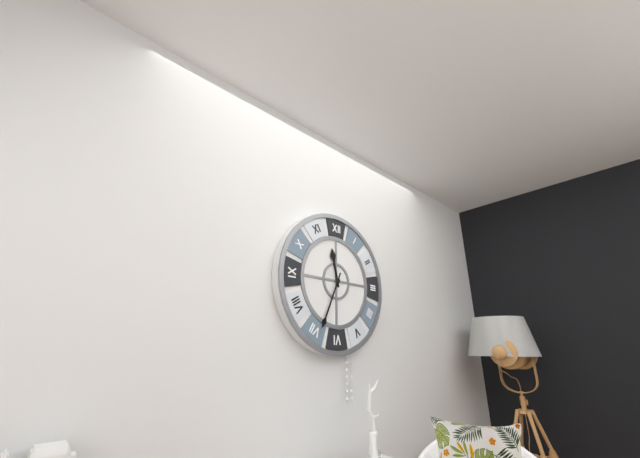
**11:34**
